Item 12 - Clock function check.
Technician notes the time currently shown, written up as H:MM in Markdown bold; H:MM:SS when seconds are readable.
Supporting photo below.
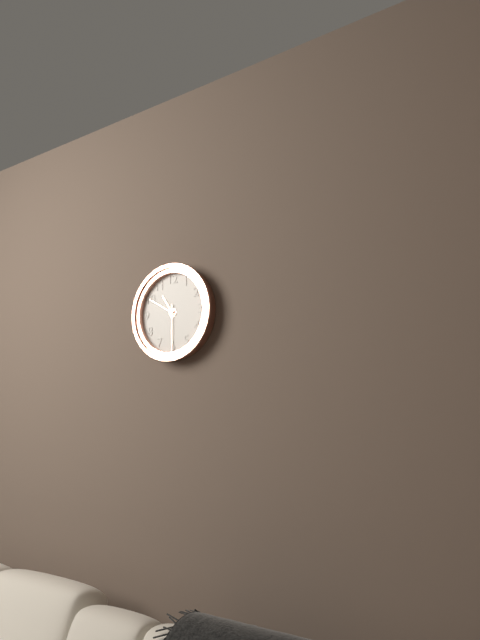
**10:50:30**
